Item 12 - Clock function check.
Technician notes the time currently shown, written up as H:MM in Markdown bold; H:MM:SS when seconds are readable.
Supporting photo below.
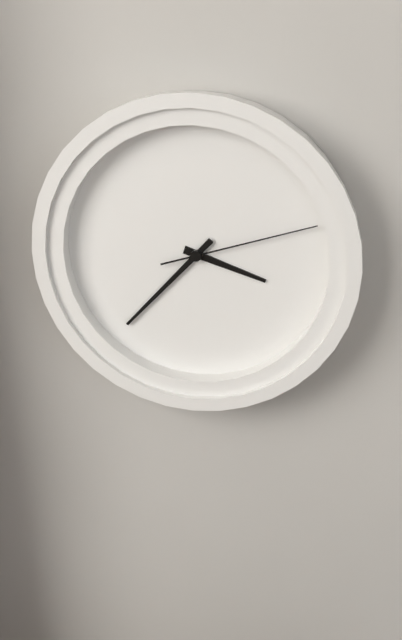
**3:37:12**
